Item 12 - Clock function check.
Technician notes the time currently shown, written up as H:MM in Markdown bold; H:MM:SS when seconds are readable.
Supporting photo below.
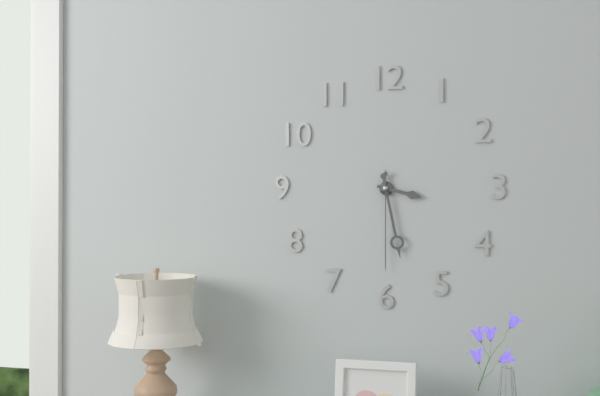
**3:28:30**
